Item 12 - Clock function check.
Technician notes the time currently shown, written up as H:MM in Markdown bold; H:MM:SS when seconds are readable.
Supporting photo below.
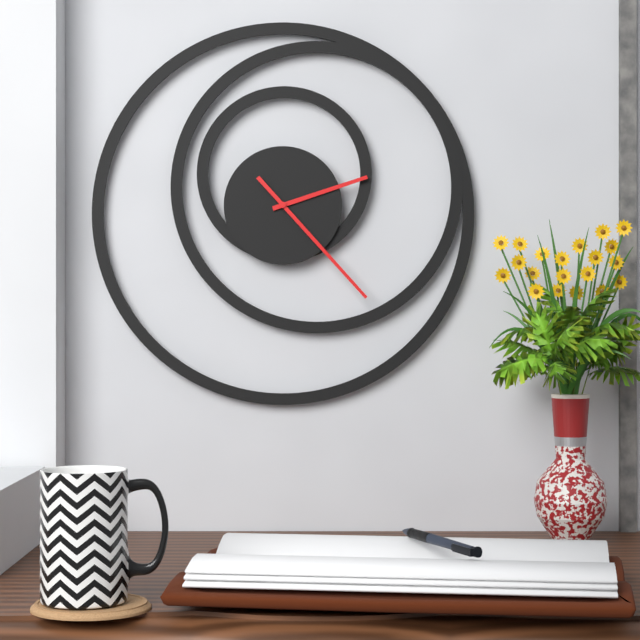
**2:23**
